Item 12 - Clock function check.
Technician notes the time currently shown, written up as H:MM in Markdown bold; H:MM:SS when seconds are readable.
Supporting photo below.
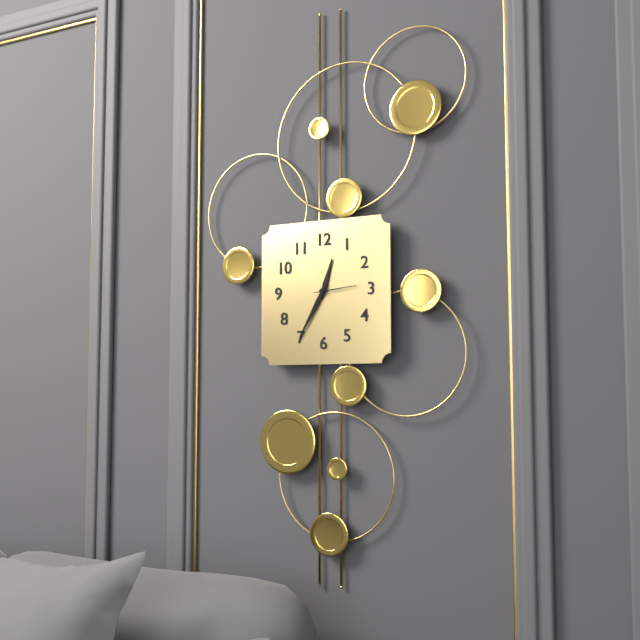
**12:35**
